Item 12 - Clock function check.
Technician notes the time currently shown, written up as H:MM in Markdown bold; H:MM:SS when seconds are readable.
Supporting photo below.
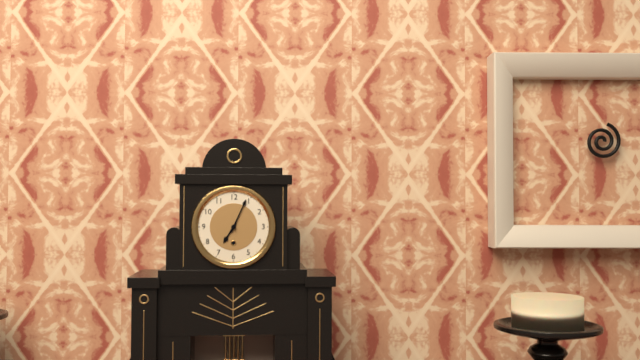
**7:04**
